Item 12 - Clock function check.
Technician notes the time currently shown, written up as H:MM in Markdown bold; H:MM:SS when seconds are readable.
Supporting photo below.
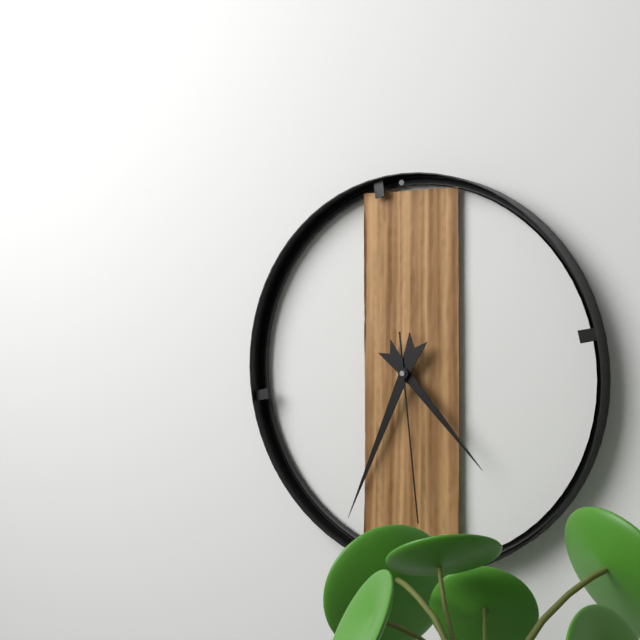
**4:34:29**
